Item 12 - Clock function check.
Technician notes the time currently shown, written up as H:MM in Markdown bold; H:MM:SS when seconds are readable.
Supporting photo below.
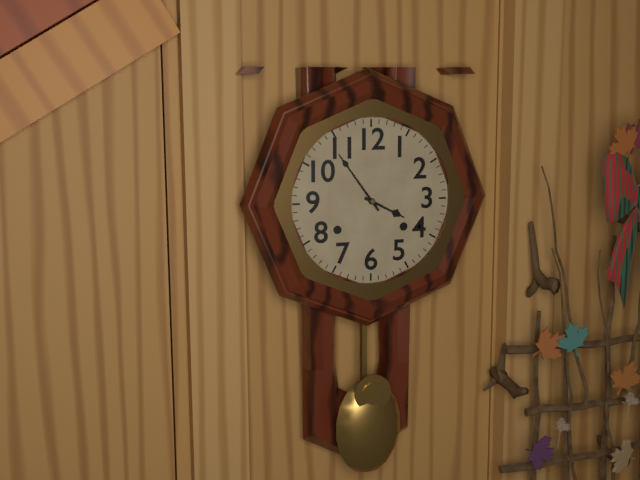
**3:54**
